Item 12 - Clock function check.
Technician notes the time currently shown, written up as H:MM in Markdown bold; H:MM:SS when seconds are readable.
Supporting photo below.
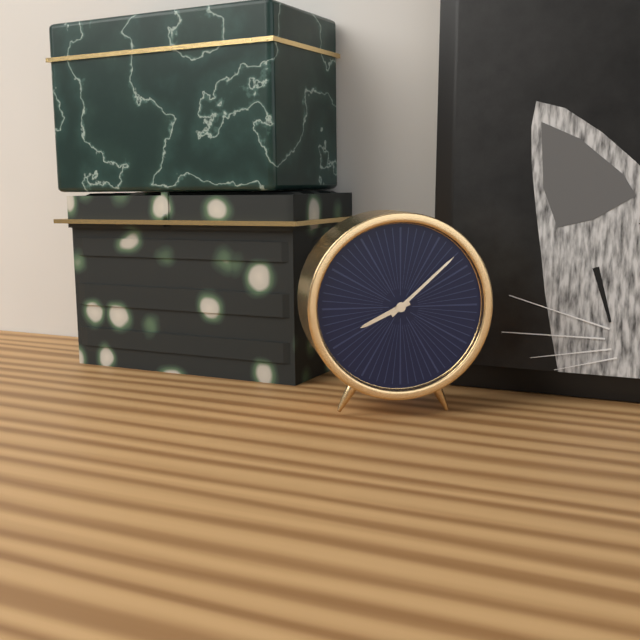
**8:08**
